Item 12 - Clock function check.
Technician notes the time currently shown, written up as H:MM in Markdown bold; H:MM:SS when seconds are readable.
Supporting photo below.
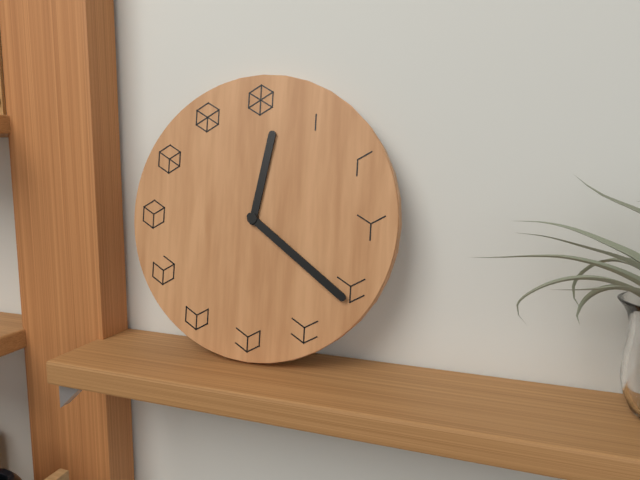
**12:21**
